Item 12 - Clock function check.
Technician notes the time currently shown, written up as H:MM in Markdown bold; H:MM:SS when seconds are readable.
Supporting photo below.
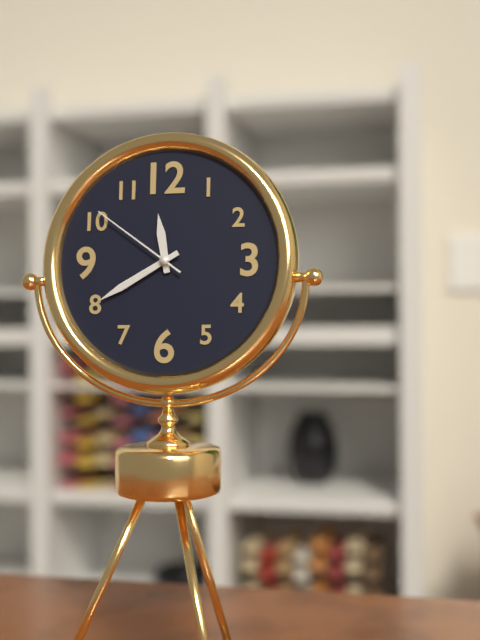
**11:40:51**
